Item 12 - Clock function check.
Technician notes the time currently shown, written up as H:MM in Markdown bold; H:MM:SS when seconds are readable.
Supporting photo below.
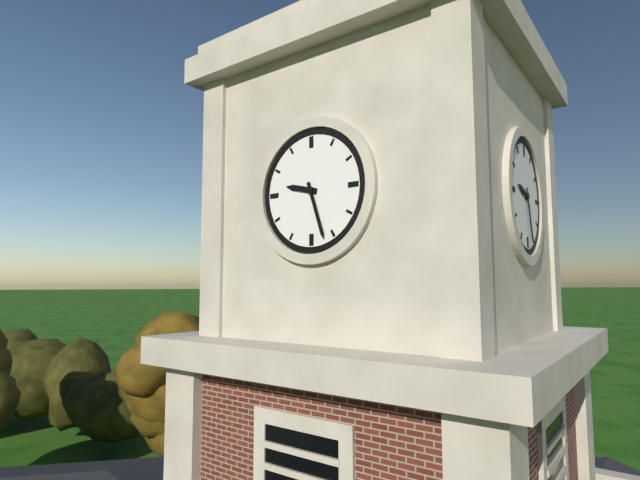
**9:27**
